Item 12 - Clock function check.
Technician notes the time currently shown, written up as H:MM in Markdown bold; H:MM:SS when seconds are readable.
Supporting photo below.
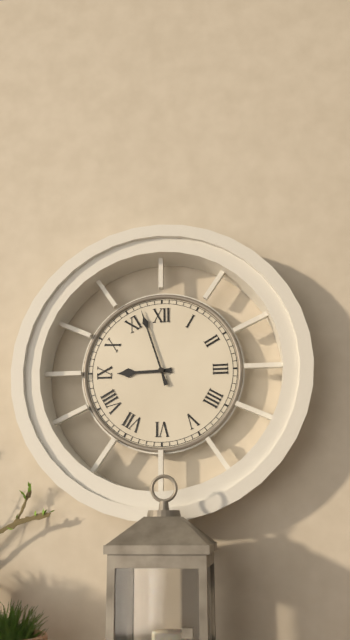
**8:57**
